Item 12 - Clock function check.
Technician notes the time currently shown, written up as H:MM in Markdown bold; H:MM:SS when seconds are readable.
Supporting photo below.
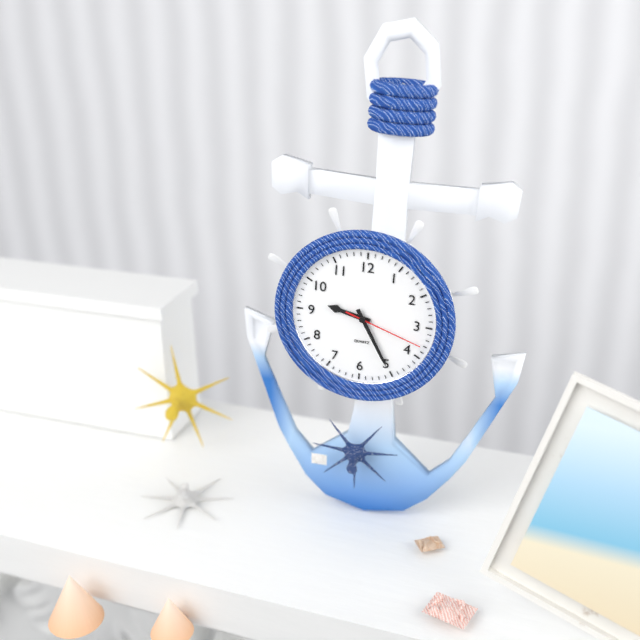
**9:25:18**
